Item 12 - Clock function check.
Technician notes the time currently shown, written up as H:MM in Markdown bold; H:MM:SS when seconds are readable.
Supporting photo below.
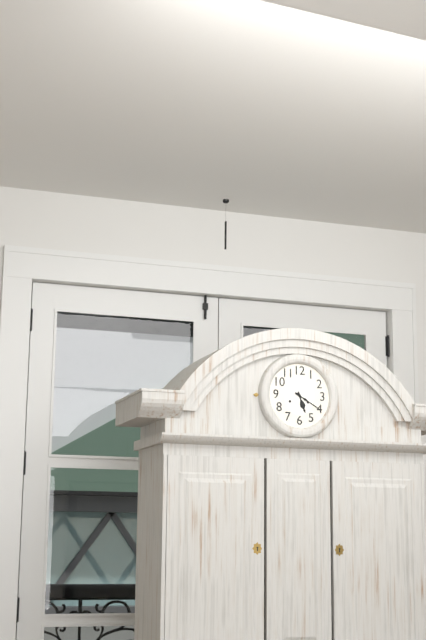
**5:20**
